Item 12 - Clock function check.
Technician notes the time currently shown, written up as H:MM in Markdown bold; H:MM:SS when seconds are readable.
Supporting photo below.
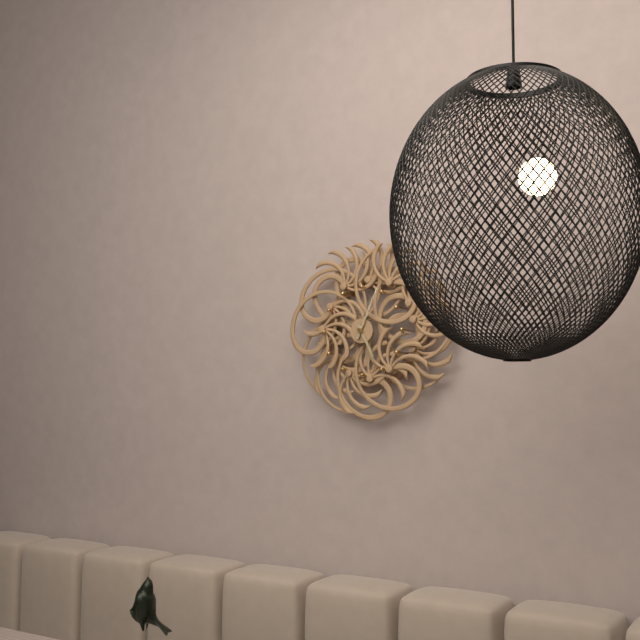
**5:04**
